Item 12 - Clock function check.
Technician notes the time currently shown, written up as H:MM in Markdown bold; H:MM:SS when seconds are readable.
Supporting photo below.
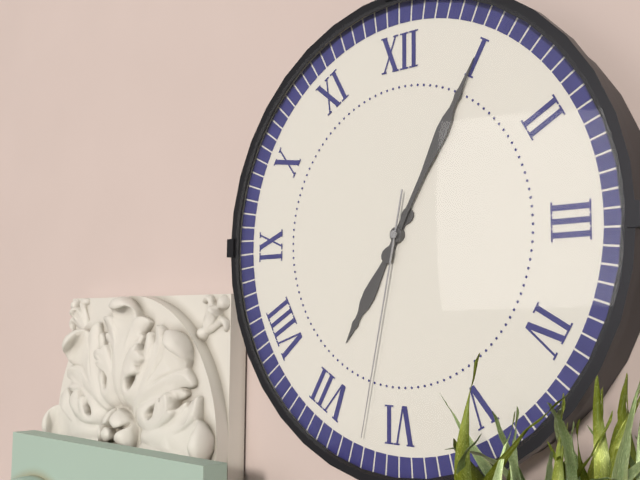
**7:05:32**
